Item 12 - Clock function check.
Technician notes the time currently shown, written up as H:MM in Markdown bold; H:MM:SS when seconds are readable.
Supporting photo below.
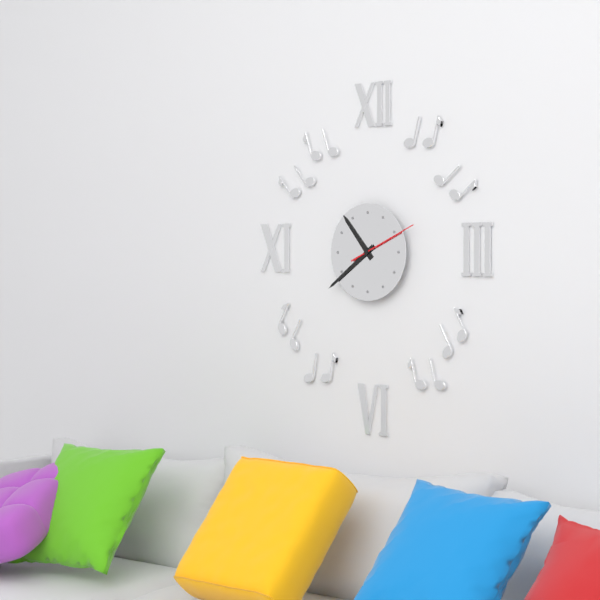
**10:39:11**
